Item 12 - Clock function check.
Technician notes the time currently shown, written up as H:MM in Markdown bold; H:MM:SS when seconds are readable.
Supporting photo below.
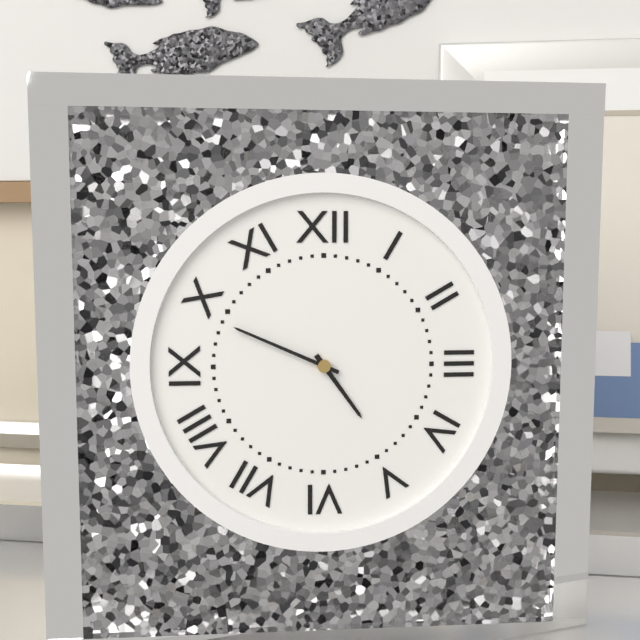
**4:49**
